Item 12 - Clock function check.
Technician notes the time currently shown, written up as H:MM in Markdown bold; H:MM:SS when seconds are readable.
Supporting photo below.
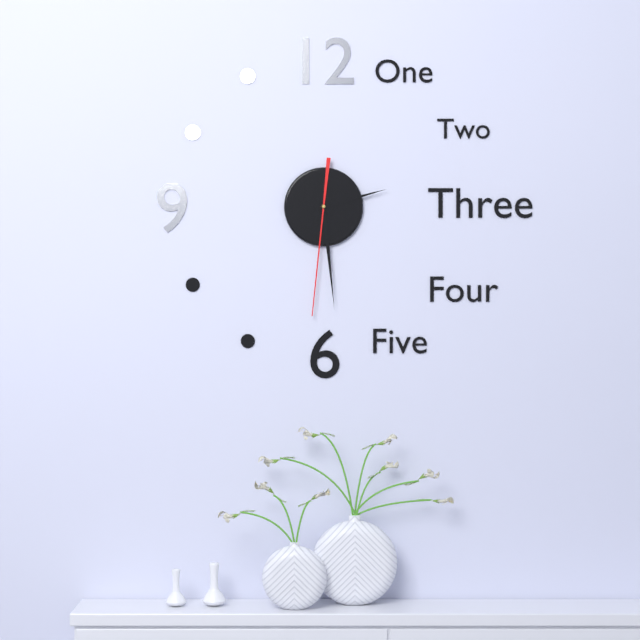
**2:29:31**
